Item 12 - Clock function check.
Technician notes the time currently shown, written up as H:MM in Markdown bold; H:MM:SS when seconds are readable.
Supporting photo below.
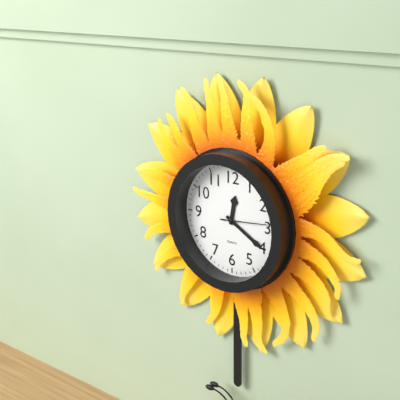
**12:20:14**
